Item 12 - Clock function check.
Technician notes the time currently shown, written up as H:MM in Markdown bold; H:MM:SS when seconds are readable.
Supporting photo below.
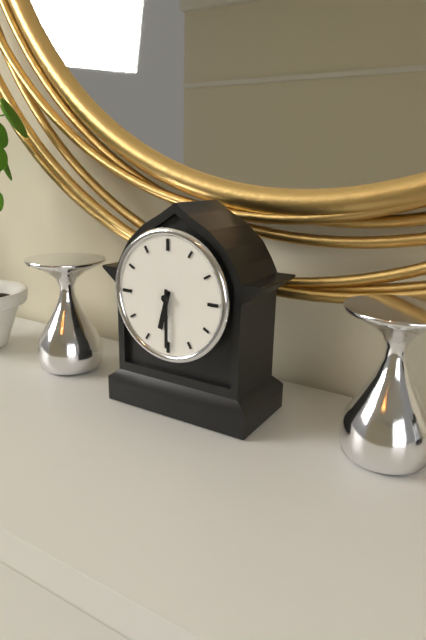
**6:30**
